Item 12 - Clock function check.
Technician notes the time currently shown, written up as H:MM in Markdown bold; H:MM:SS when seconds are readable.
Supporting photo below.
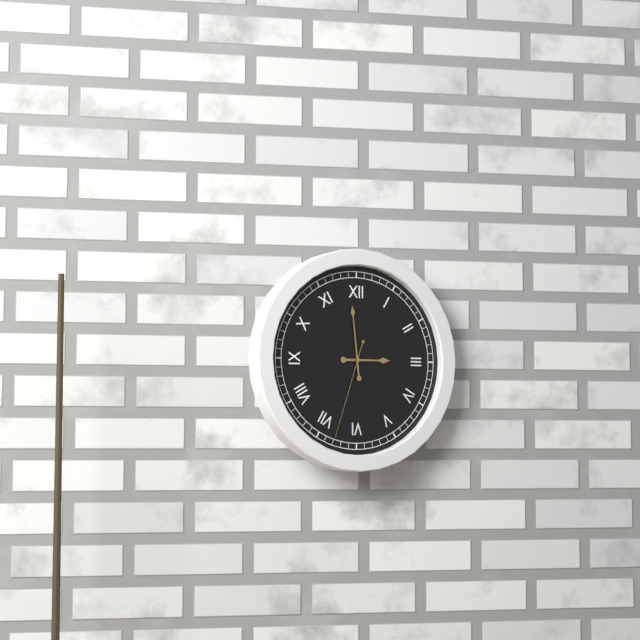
**2:59:33**
